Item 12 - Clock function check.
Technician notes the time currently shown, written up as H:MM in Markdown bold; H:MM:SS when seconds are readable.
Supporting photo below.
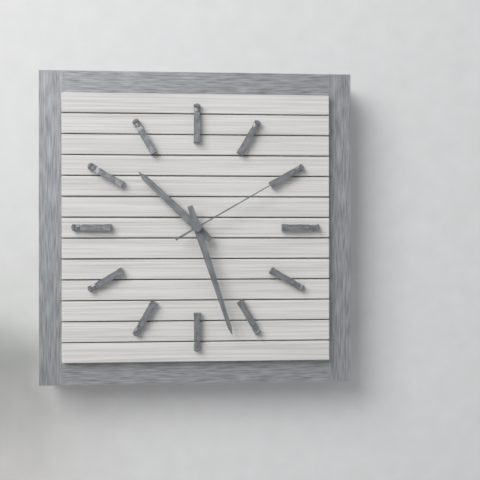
**10:27:10**
